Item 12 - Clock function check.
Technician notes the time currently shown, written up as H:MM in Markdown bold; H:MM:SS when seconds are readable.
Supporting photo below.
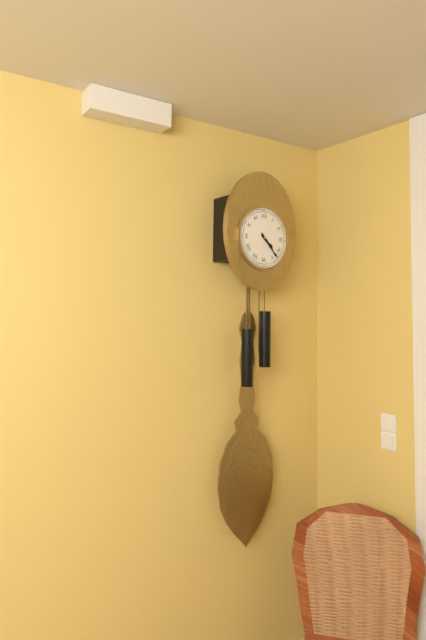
**4:23**
